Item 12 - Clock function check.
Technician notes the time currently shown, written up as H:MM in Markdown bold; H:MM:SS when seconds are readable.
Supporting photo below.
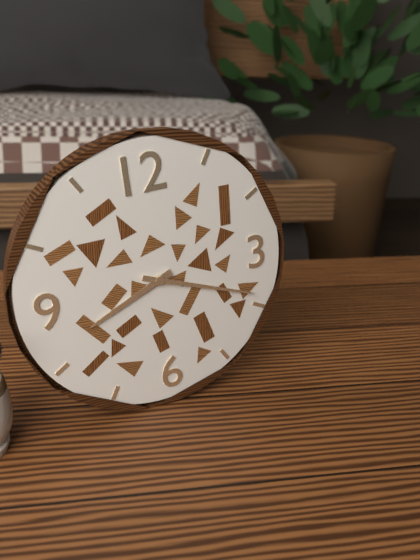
**8:19**
